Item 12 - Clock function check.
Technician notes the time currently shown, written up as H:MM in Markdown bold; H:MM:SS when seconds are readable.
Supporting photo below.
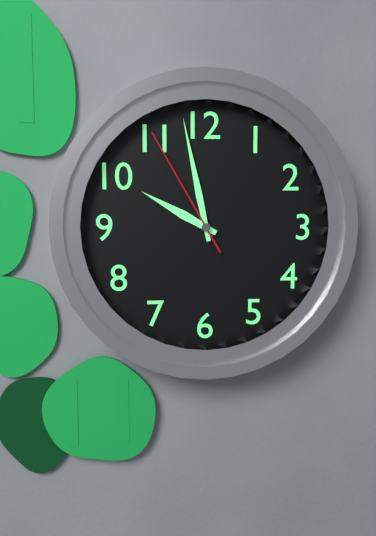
**9:58:55**
